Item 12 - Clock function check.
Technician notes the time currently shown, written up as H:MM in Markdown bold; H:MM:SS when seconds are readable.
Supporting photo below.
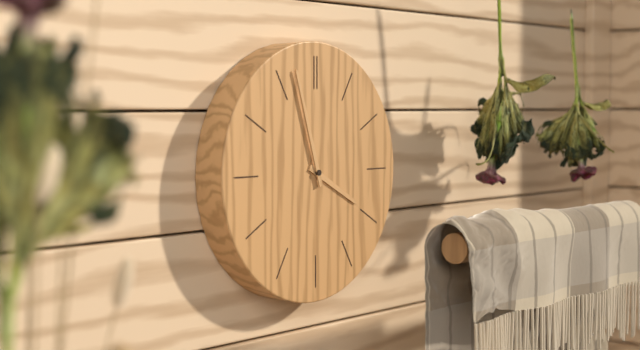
**3:57**
